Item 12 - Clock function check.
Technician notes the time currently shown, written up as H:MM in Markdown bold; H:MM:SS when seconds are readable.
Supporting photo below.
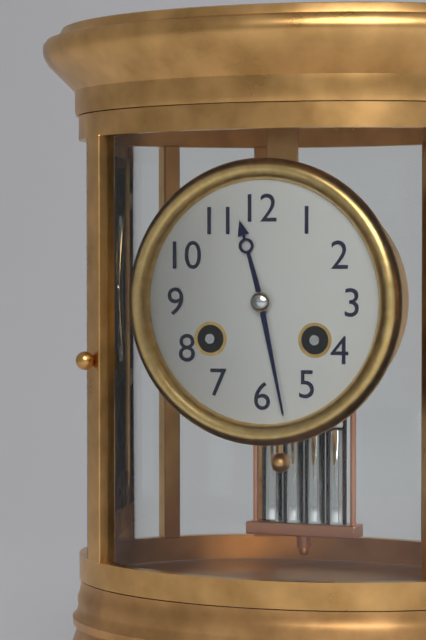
**11:28**
